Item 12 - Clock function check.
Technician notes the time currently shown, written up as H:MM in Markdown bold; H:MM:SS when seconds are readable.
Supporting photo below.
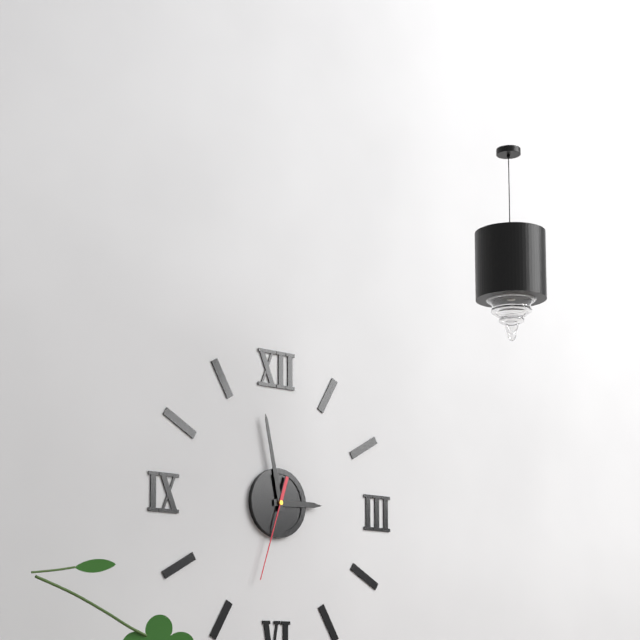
**2:58:33**
